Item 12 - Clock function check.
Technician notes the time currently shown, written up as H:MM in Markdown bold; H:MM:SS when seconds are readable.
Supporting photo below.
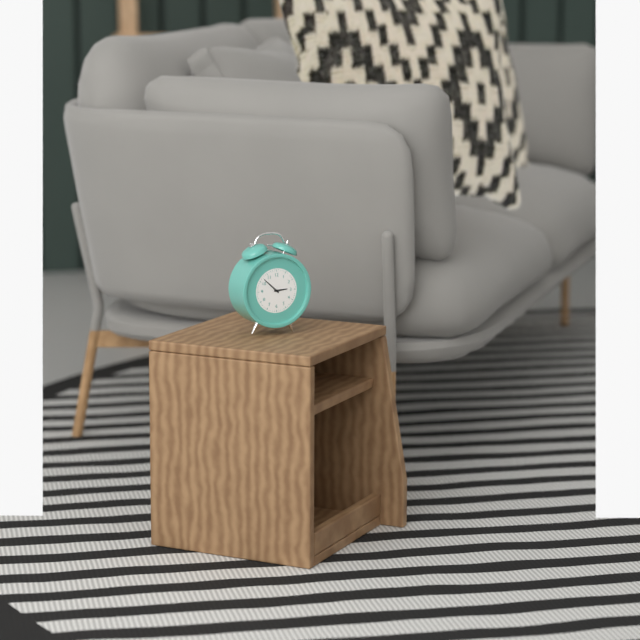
**2:52**
